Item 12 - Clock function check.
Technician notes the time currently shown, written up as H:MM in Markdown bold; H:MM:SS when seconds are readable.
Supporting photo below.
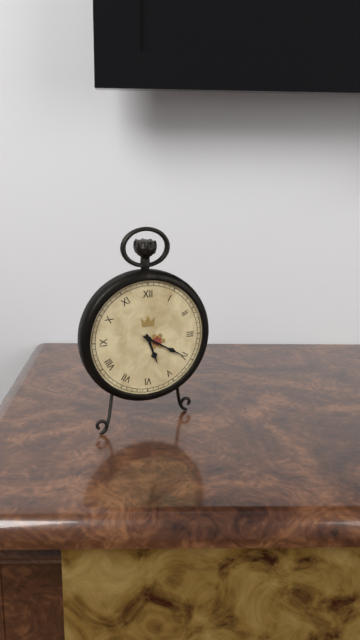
**5:20**
